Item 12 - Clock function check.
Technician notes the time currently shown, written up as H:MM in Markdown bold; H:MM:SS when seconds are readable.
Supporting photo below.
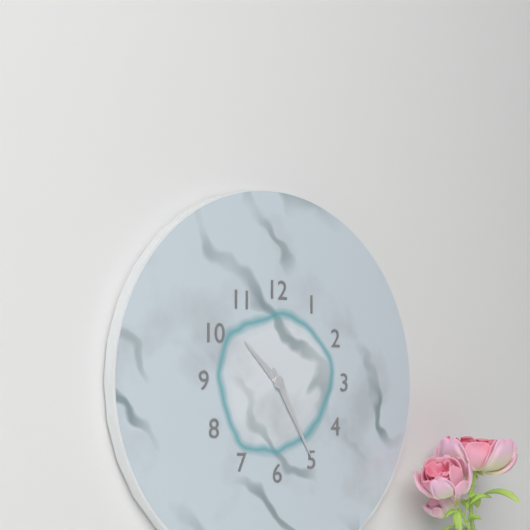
**10:25**
